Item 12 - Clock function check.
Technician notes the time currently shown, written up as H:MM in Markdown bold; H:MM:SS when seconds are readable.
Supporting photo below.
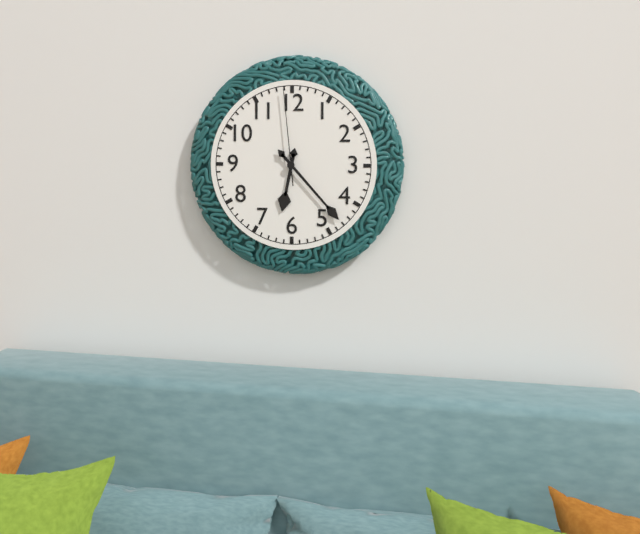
**6:23:59**
